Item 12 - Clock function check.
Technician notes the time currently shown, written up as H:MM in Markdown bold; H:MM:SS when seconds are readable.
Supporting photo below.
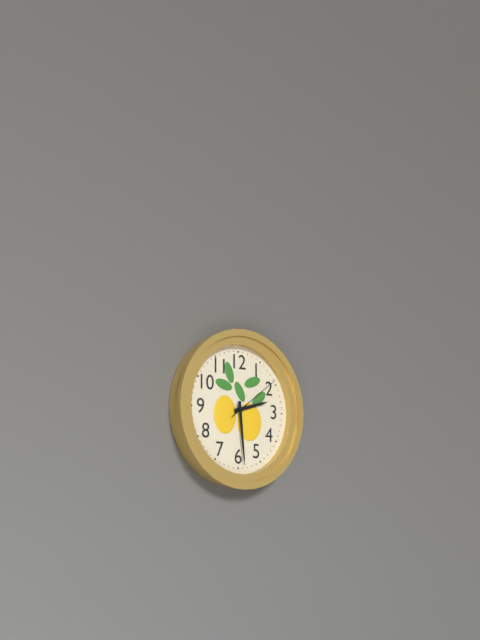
**2:29:09**
